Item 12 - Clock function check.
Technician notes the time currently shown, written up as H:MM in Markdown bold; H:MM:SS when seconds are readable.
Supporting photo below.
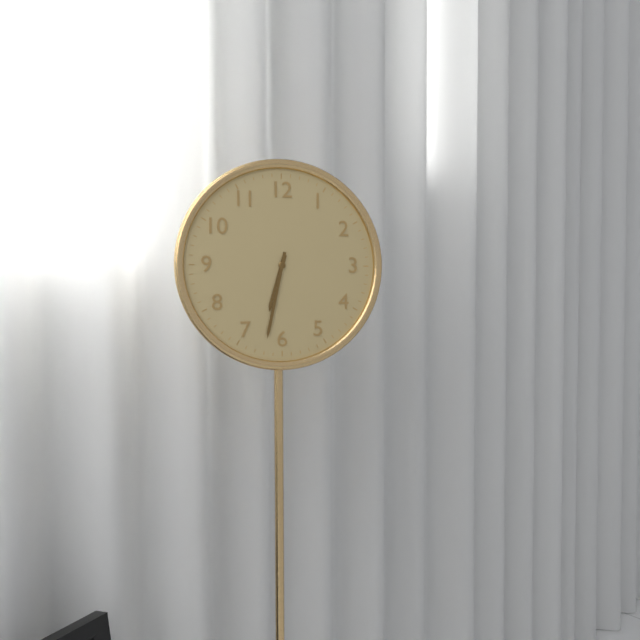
**6:32**
